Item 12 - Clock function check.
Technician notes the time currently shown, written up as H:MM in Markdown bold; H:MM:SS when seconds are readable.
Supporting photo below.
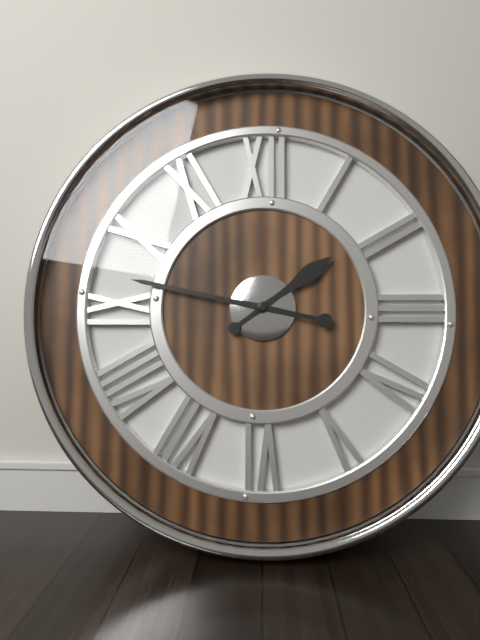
**1:47**
